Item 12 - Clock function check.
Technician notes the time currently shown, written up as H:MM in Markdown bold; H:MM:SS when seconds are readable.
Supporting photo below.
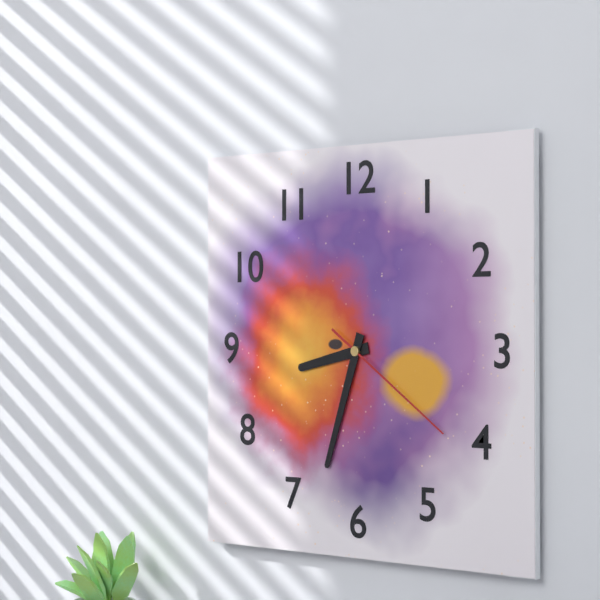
**8:33:21**
